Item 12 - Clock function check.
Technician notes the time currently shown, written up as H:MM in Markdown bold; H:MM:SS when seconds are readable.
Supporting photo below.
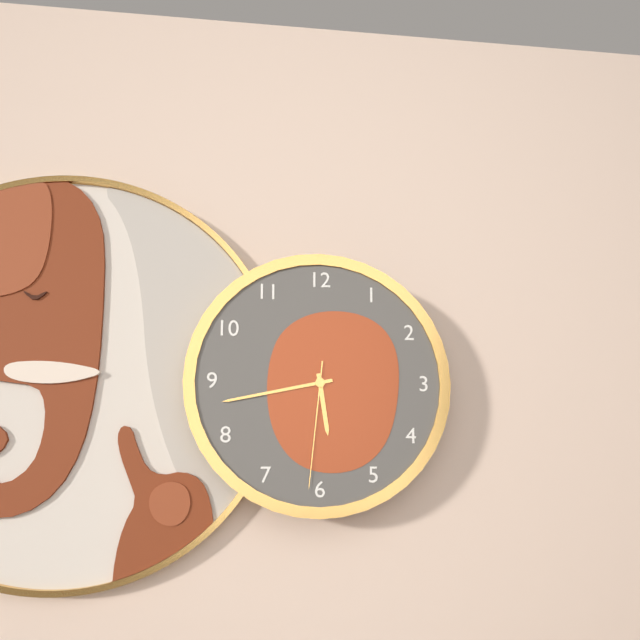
**5:43:31**
